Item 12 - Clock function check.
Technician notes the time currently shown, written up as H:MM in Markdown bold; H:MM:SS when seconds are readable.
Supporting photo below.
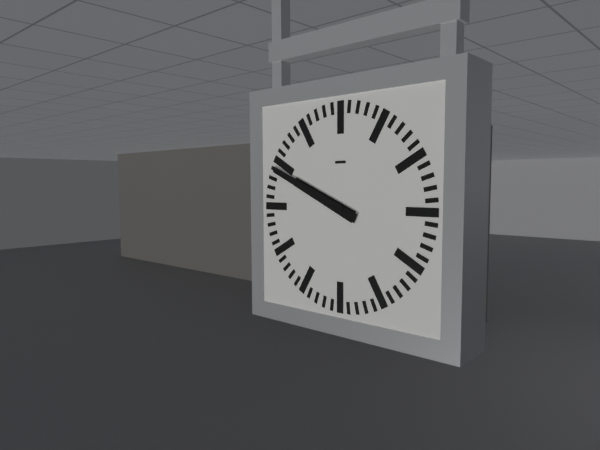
**9:49**
